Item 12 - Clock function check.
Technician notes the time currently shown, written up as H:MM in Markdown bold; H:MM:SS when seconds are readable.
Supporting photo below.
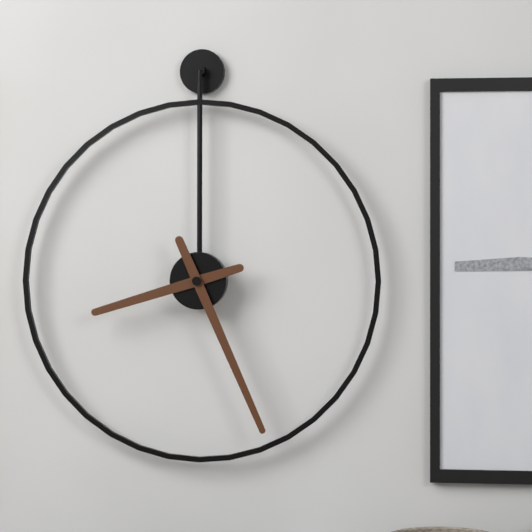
**8:26**
